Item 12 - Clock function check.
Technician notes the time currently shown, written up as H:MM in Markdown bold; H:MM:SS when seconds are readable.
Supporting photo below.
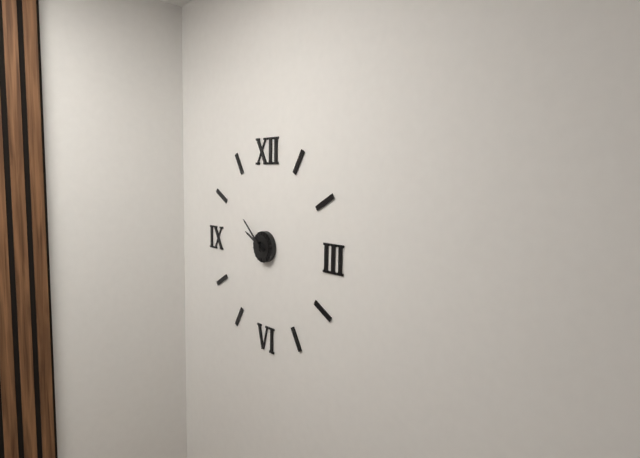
**9:52**
